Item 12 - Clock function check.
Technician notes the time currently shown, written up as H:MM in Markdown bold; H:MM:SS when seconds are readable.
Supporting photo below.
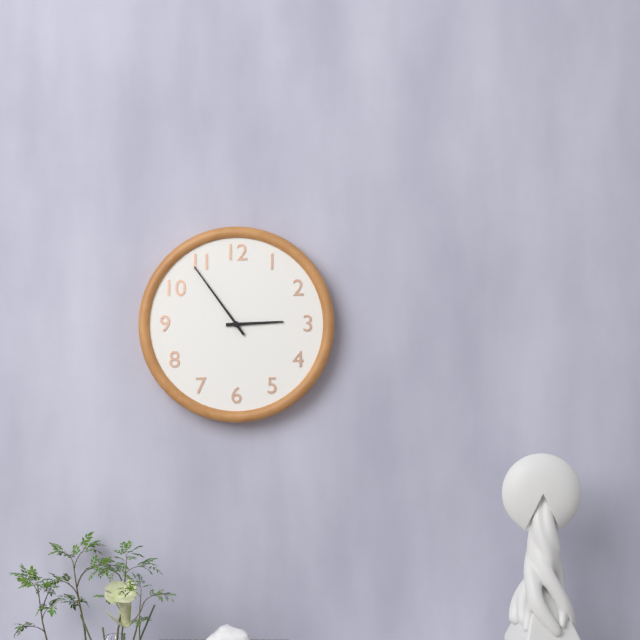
**2:54**
